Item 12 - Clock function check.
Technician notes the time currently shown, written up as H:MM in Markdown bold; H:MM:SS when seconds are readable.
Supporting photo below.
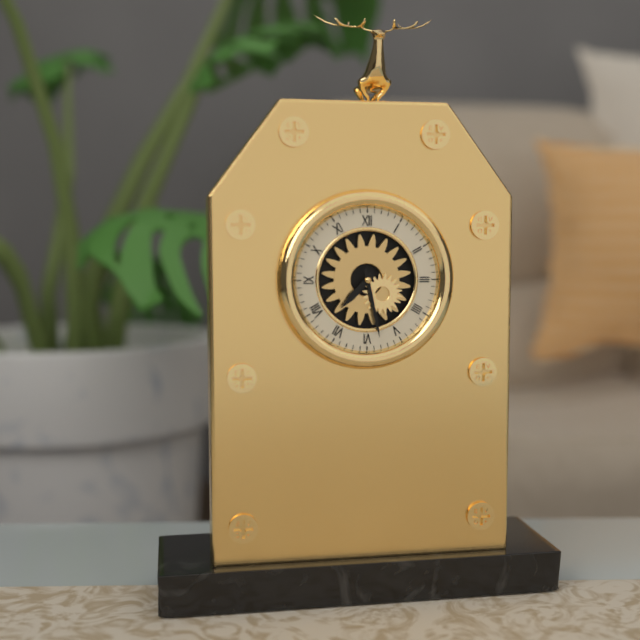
**7:28**
